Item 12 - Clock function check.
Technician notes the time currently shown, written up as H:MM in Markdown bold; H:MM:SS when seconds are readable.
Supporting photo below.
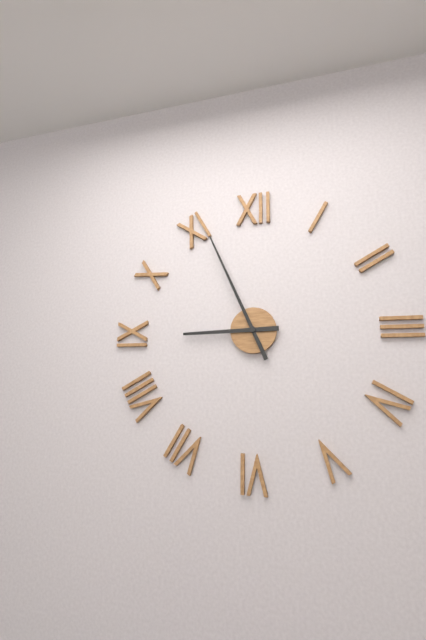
**8:56**
